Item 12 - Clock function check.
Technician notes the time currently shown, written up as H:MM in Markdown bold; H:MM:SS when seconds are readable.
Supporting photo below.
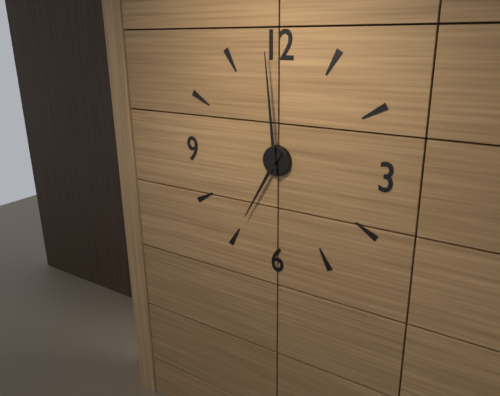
**6:59**
